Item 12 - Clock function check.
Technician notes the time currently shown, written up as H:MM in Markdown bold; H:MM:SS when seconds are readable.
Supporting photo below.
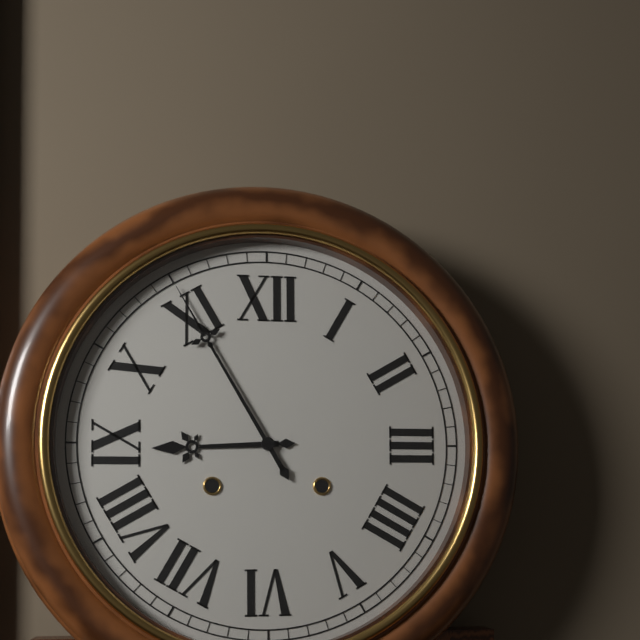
**8:55**
